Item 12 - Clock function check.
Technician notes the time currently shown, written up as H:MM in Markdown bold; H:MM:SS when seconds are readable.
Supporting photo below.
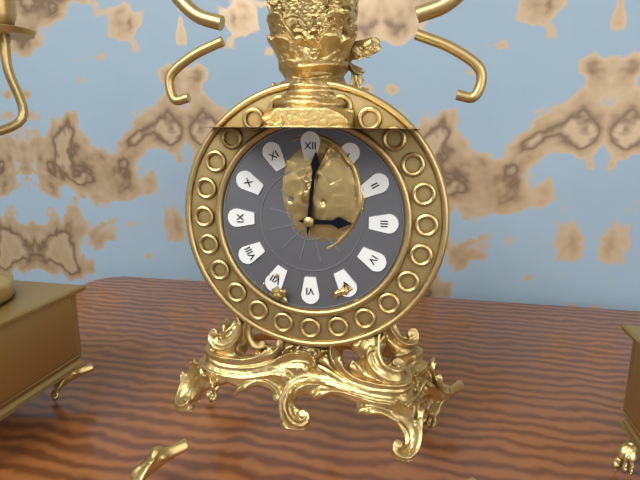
**3:01**
